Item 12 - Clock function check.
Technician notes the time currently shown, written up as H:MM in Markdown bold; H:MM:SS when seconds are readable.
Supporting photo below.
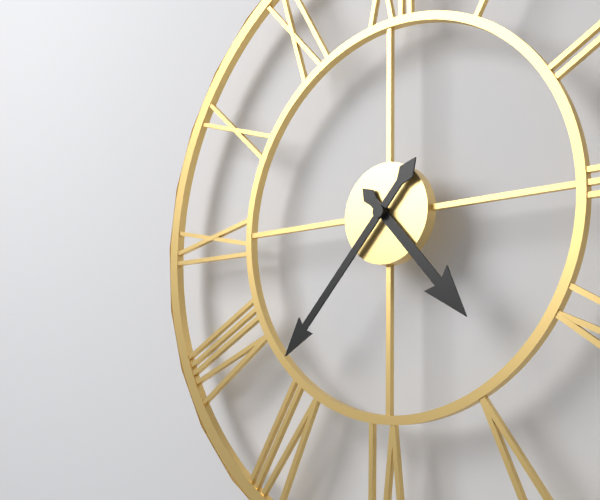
**4:37**
